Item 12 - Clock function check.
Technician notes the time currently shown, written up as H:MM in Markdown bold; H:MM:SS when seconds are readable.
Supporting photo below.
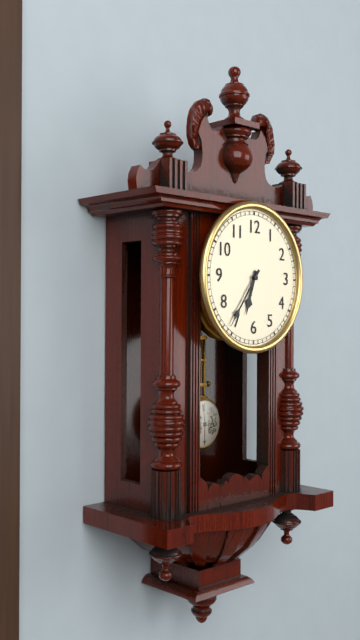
**6:36**
